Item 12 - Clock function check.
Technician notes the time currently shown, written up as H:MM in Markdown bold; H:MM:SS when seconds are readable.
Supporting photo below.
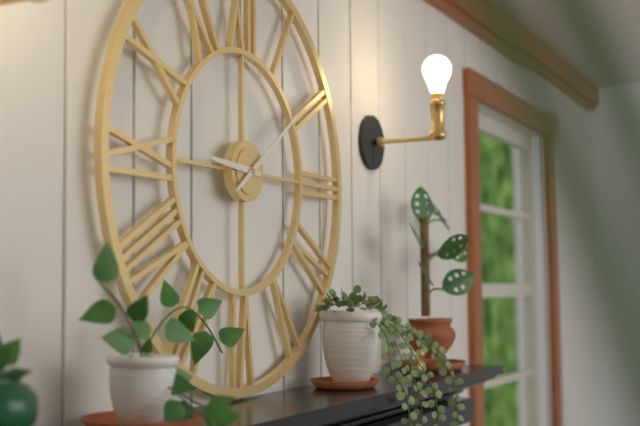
**9:09**
